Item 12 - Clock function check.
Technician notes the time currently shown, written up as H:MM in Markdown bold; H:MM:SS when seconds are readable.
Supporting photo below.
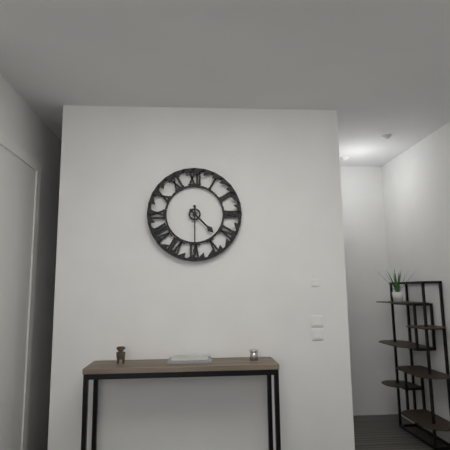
**4:30**
